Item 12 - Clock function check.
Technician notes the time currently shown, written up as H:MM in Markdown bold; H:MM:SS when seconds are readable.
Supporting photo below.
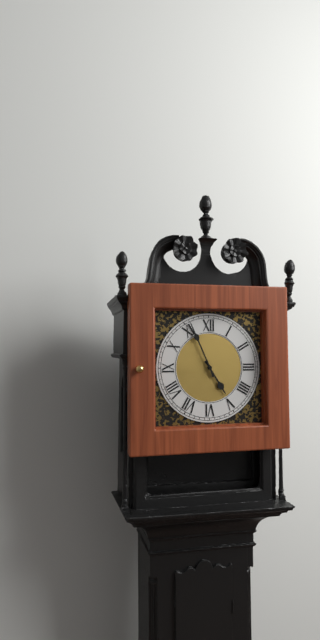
**4:56**
